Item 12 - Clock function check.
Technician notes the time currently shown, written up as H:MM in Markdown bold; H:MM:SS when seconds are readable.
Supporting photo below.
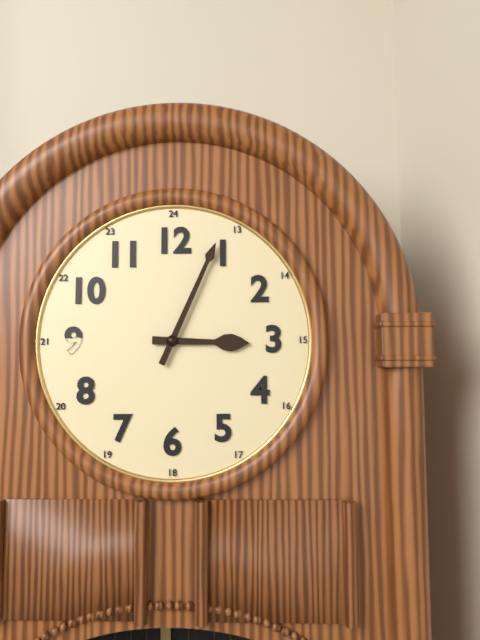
**3:04**
